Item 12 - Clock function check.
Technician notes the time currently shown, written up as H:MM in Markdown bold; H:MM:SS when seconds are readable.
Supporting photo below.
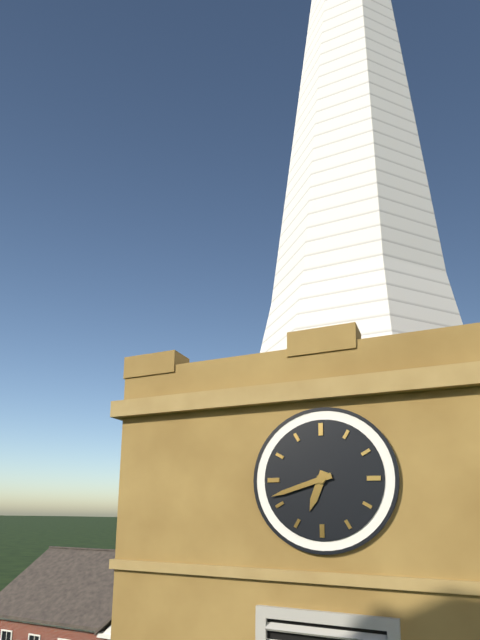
**6:42**
